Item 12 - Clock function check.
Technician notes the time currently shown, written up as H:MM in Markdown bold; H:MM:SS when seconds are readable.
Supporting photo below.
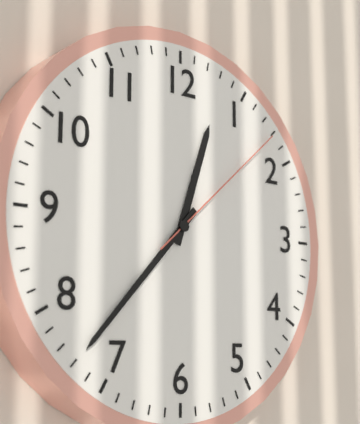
**12:37:08**
